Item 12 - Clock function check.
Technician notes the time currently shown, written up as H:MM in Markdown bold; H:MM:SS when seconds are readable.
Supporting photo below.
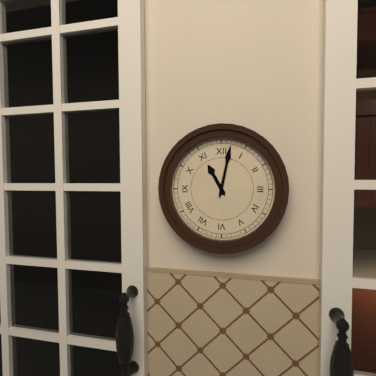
**11:02**
